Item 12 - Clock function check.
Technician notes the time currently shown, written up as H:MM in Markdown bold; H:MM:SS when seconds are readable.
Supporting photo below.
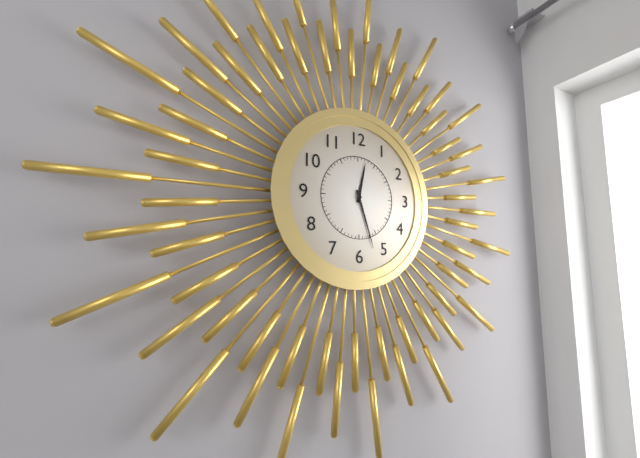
**12:27**
